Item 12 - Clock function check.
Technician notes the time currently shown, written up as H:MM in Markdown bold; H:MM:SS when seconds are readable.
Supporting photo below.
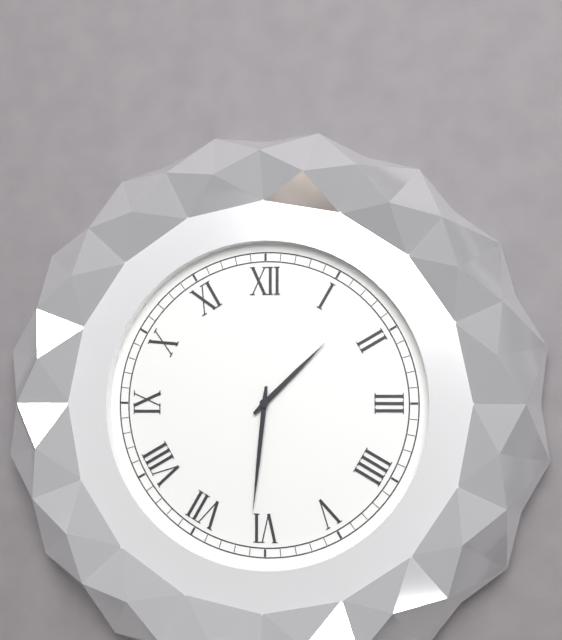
**1:31**
